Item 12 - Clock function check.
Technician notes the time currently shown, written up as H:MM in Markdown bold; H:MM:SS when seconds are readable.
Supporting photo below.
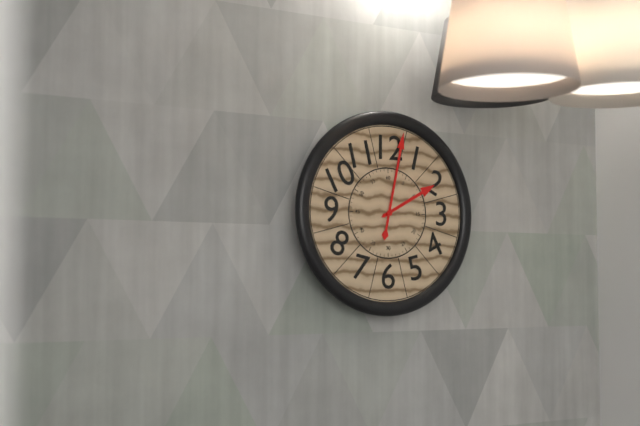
**2:02**
